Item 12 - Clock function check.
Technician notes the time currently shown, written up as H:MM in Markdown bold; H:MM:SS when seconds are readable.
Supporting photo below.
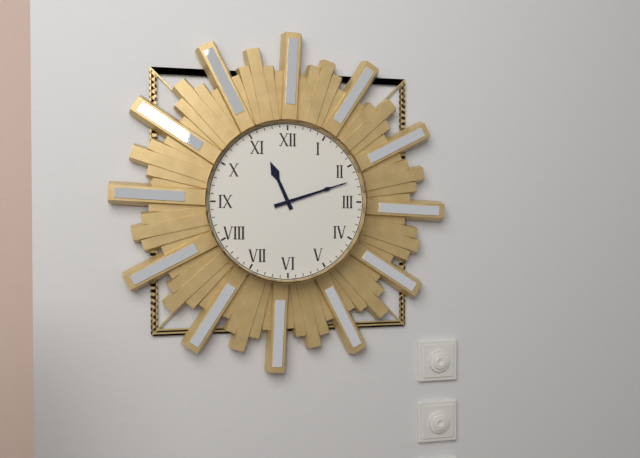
**11:12**
